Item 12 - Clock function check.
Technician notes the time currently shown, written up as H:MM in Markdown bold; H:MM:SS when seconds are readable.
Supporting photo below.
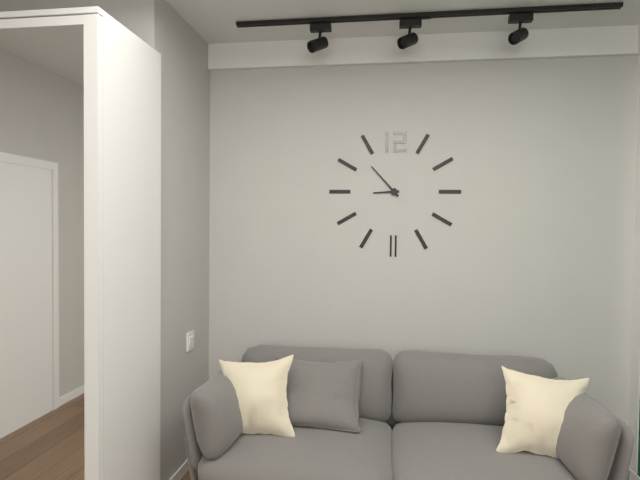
**8:53**
